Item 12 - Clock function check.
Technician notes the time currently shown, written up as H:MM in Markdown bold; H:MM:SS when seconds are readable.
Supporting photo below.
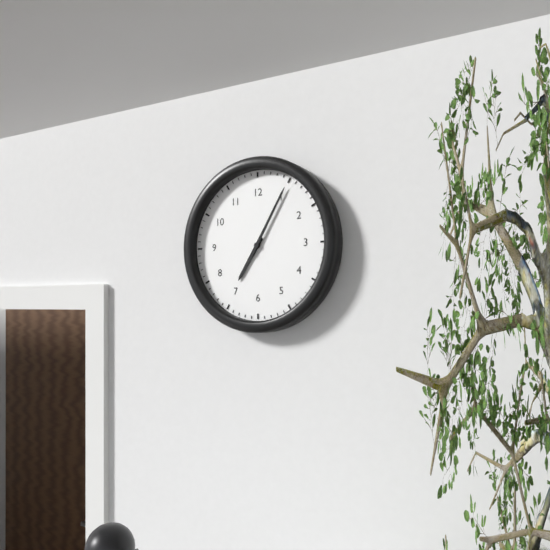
**7:05**
